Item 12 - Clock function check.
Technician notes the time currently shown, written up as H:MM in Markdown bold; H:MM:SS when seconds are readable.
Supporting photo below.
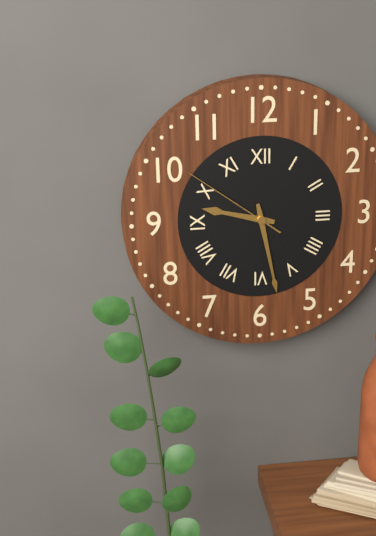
**9:28:51**
